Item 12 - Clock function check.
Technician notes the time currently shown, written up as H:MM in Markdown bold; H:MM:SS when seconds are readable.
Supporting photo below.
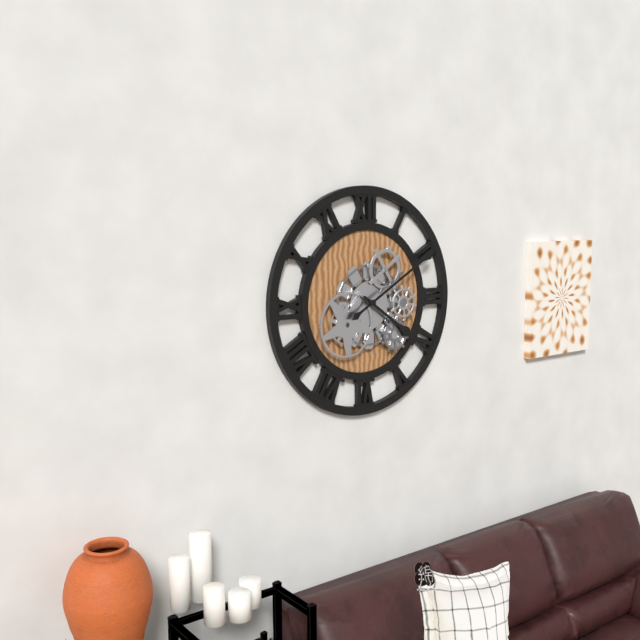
**4:10**
